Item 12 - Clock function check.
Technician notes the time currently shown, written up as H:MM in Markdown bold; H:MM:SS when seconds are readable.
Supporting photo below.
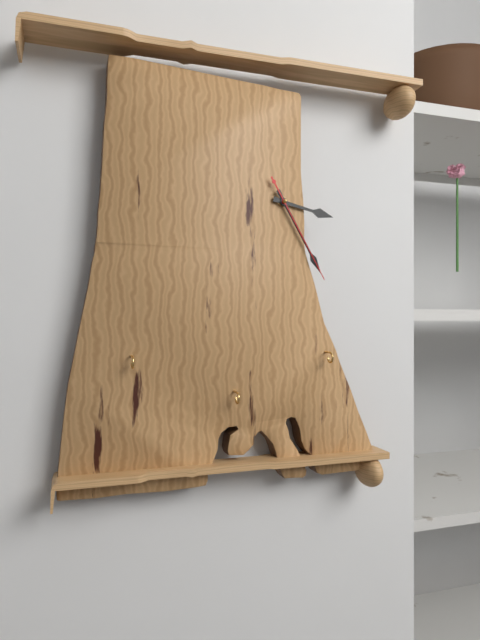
**3:25:25**
